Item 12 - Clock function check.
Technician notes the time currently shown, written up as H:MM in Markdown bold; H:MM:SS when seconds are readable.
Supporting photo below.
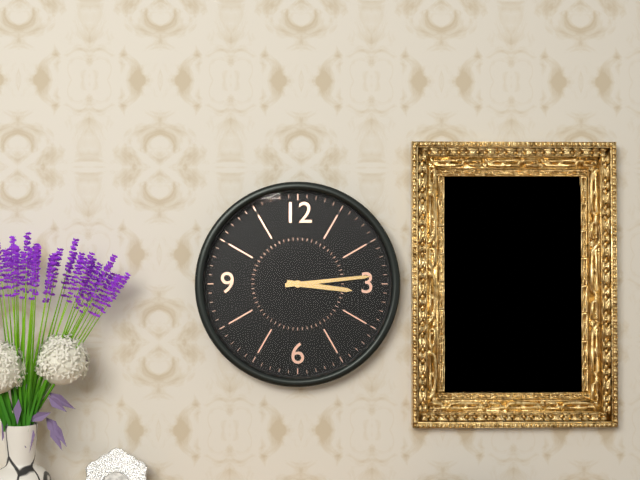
**3:14**
